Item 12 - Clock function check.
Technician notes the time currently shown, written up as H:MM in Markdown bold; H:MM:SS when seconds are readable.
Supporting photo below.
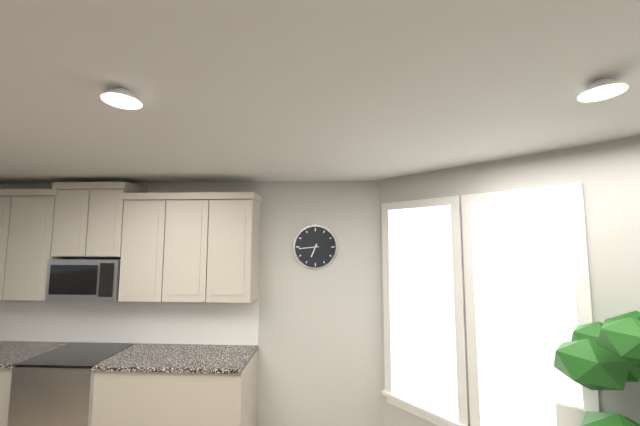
**6:44**
